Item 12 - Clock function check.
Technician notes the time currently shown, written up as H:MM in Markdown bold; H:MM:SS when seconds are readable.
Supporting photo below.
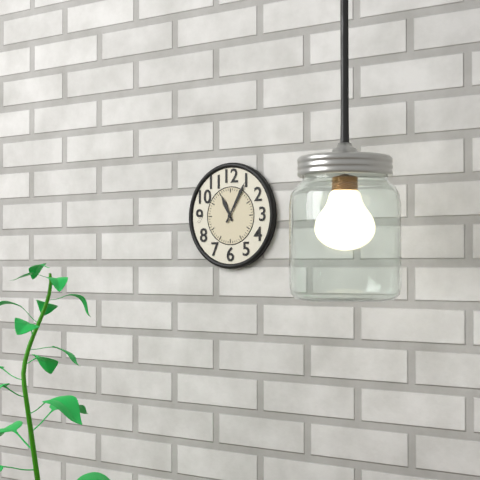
**11:05**
